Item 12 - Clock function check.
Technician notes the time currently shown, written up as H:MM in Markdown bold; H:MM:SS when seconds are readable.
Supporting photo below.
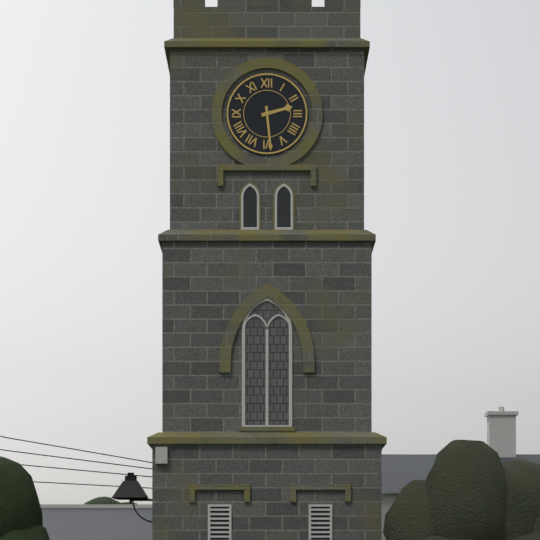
**2:29**
